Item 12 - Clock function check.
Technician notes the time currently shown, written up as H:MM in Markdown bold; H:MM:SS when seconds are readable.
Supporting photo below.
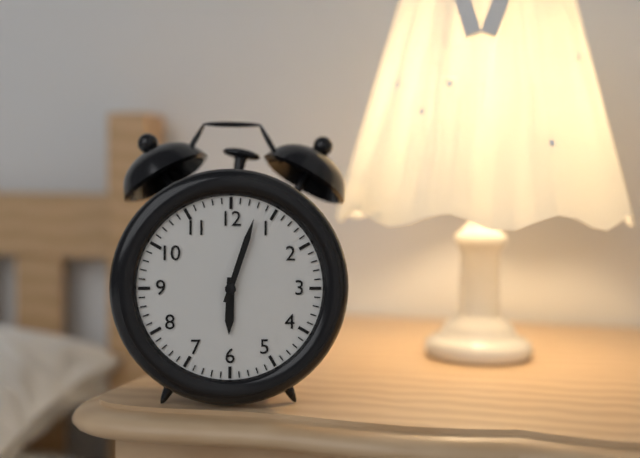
**6:03**
